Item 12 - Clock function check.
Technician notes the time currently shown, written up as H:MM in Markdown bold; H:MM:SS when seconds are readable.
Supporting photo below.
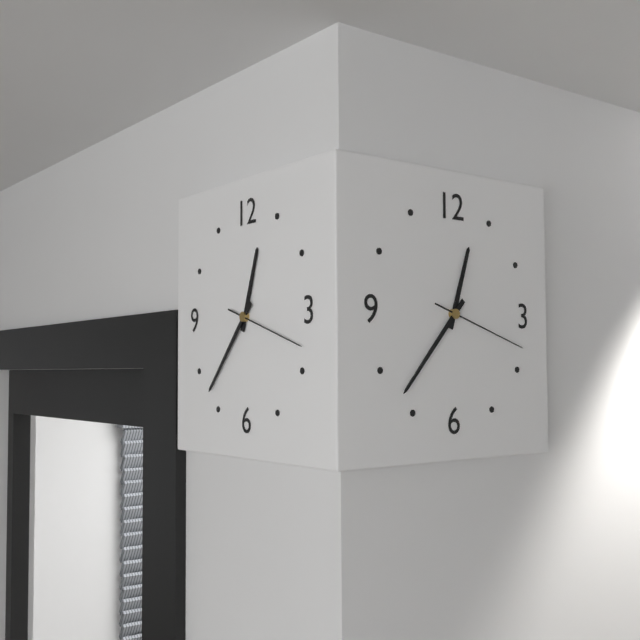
**12:37:18**
